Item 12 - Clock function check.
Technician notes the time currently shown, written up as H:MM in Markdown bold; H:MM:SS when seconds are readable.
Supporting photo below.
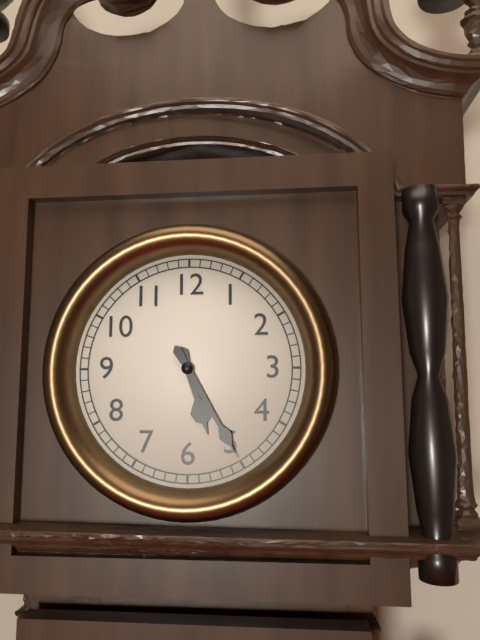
**5:25**
